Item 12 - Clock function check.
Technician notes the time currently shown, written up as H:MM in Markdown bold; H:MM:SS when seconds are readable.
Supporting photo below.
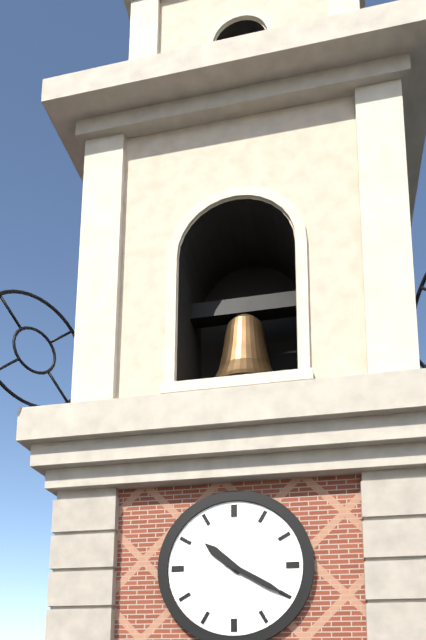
**10:20**
